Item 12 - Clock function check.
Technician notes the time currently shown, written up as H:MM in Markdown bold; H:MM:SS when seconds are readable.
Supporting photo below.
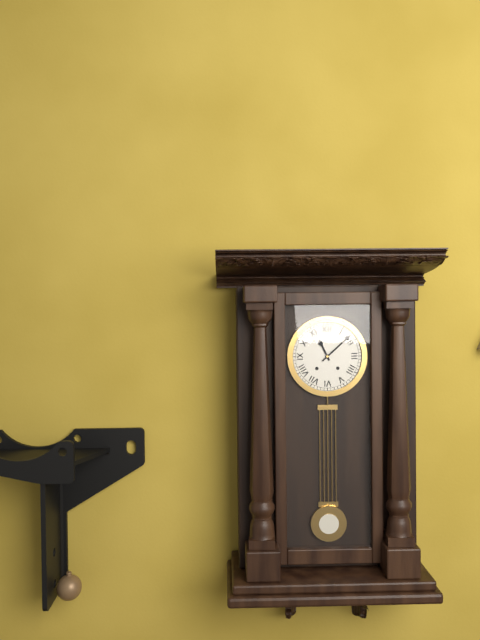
**11:08**
